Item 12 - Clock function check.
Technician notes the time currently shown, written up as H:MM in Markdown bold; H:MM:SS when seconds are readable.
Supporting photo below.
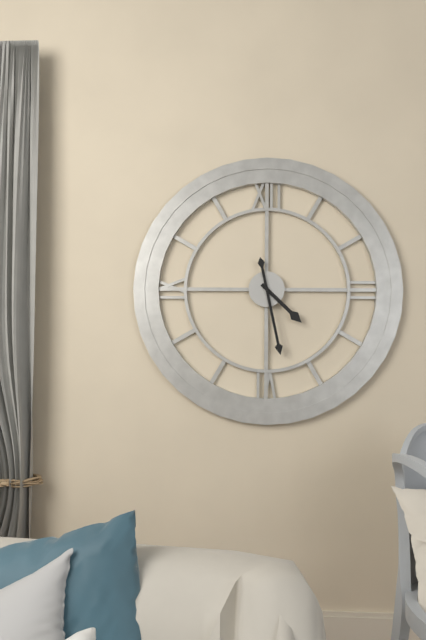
**4:28**
